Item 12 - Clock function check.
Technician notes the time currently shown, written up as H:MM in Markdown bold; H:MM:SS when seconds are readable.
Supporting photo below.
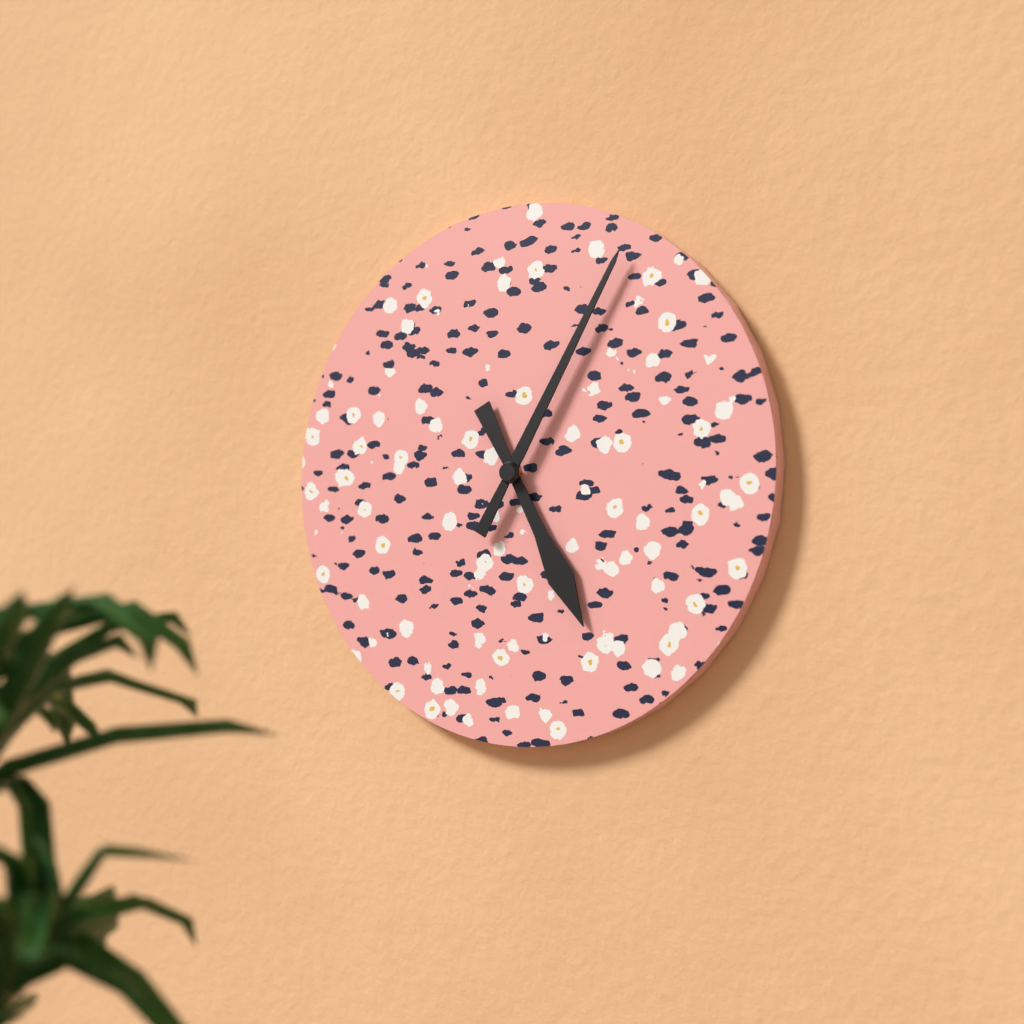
**5:05**
